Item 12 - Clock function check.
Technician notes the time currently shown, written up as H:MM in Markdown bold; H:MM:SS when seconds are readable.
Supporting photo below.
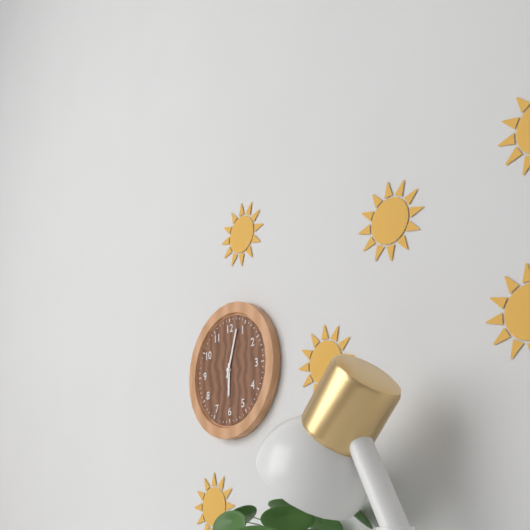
**6:03**
